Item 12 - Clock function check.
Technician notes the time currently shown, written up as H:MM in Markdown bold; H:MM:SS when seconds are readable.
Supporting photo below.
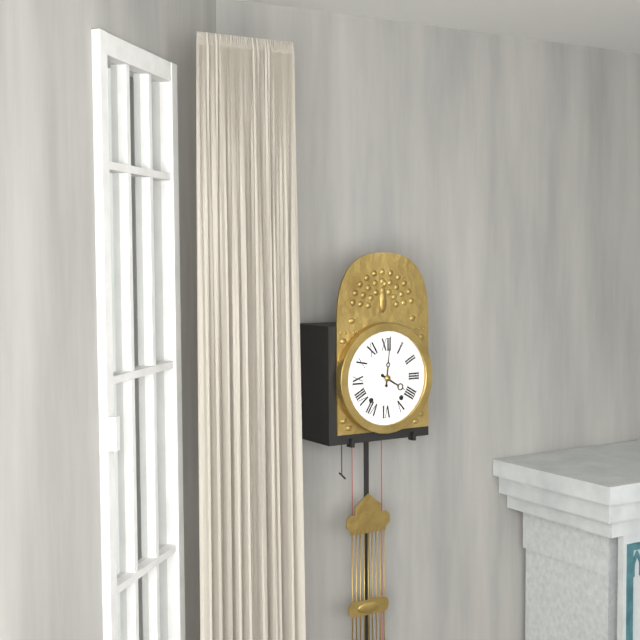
**4:01**
